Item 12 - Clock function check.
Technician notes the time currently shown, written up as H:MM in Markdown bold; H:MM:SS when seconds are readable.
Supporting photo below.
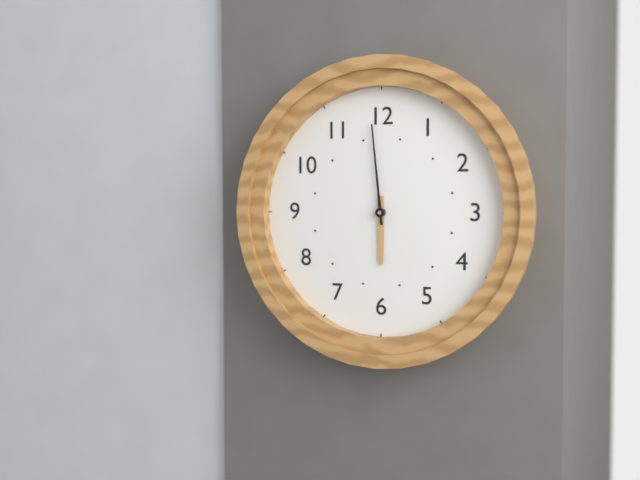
**5:59**
